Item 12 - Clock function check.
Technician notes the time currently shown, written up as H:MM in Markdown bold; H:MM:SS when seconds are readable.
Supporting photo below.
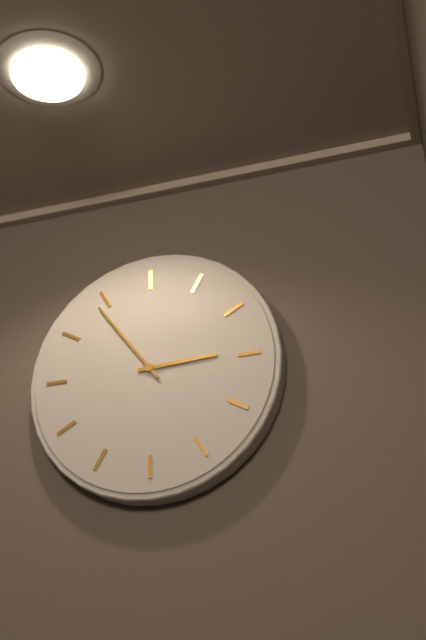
**2:54**
